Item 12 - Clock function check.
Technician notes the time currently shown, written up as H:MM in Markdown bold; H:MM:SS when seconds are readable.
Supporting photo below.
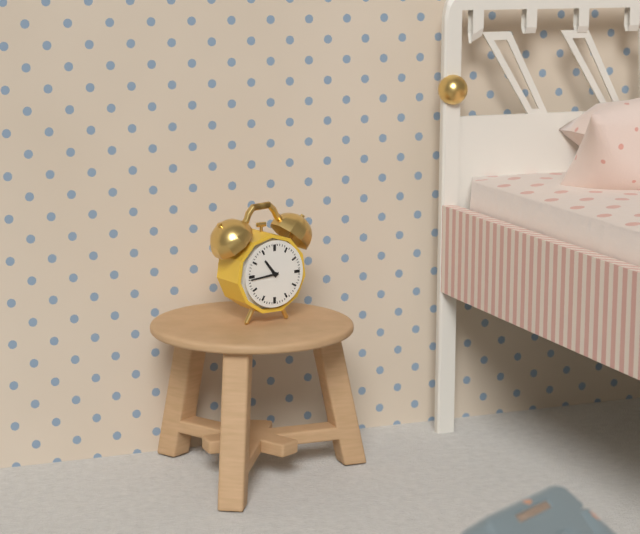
**10:44**
